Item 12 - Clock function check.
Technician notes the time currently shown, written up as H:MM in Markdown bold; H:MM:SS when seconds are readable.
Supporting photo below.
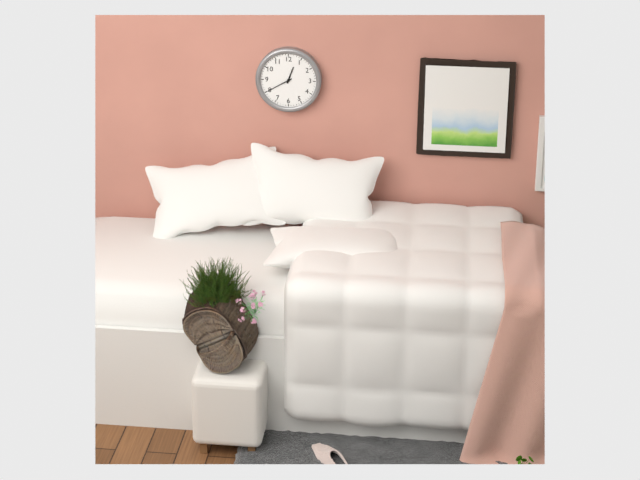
**12:40**
